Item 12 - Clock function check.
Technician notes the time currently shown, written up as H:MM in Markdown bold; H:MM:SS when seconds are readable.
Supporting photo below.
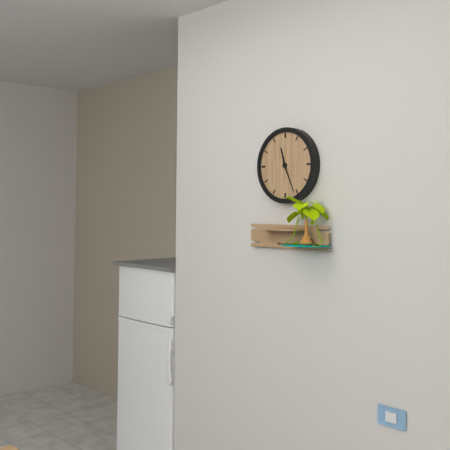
**11:26**
